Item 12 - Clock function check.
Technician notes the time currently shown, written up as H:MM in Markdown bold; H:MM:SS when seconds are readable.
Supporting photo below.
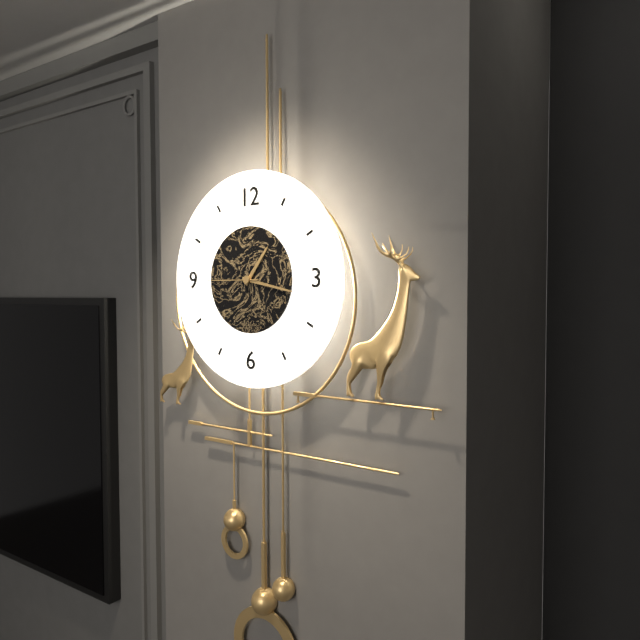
**1:17:45**
